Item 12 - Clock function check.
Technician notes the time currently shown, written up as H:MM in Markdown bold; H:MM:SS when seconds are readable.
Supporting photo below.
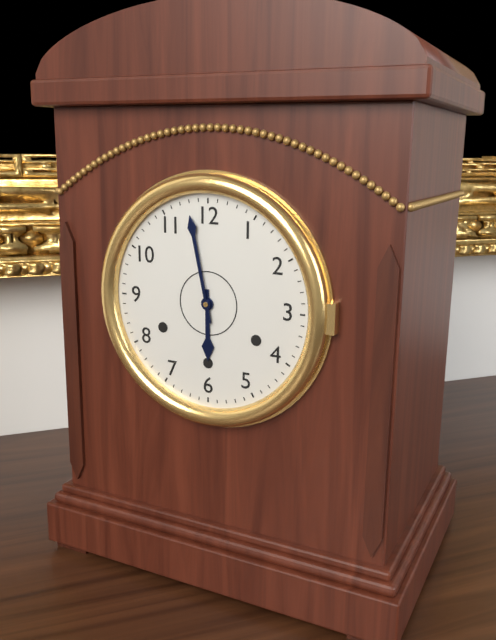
**5:58**
